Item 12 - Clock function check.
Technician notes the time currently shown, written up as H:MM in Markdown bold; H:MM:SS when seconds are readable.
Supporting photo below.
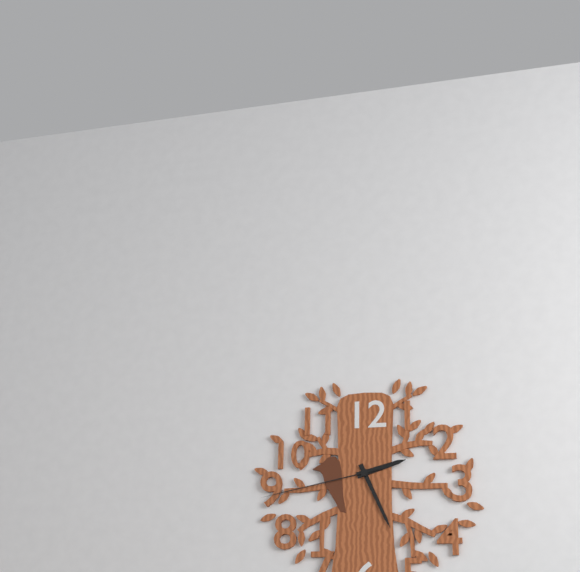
**2:26:43**
